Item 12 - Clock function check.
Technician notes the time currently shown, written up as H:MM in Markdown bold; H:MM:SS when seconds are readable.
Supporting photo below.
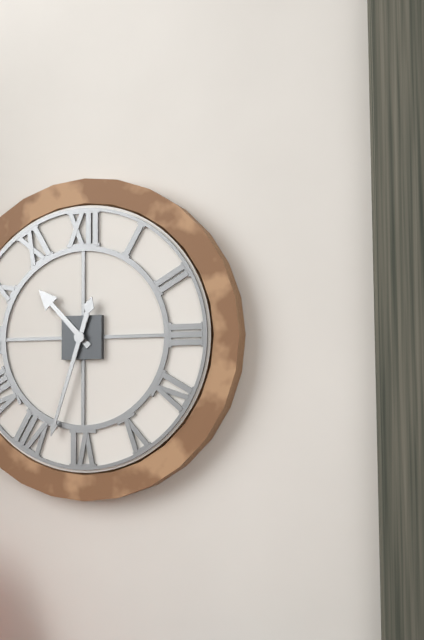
**10:33**
